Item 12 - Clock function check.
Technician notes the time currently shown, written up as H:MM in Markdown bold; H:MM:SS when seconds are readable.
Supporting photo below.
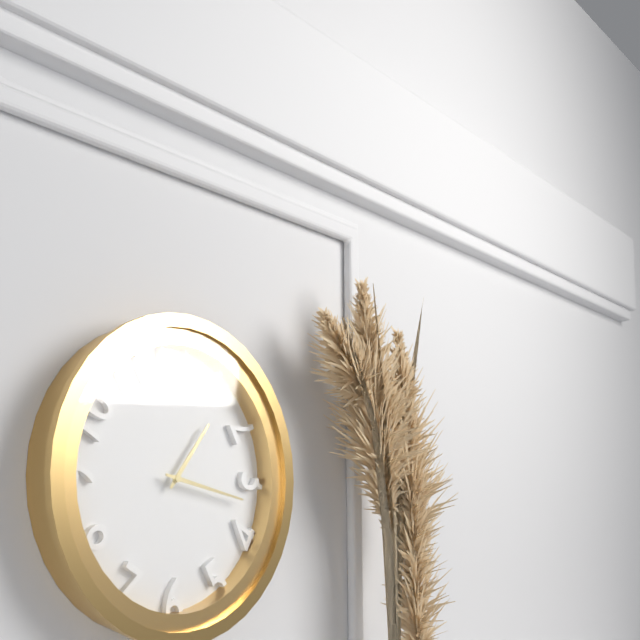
**1:17**
